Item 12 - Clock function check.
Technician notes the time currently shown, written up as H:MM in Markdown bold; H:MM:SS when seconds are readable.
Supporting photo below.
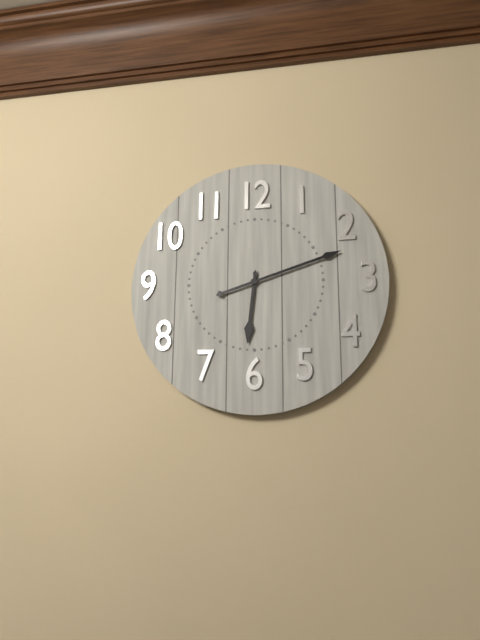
**6:12**
